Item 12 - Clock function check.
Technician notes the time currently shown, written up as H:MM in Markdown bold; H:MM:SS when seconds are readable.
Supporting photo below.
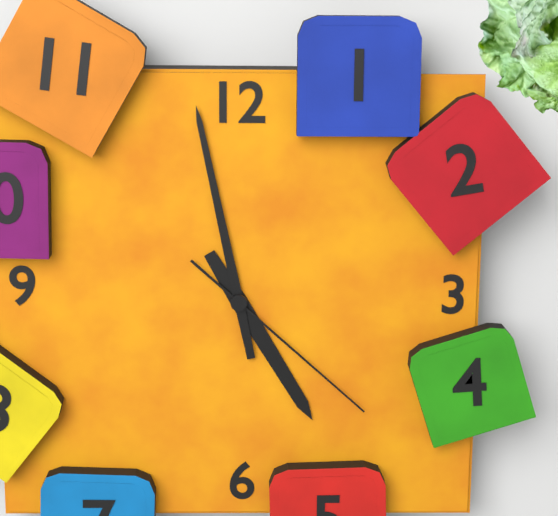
**4:58:22**
